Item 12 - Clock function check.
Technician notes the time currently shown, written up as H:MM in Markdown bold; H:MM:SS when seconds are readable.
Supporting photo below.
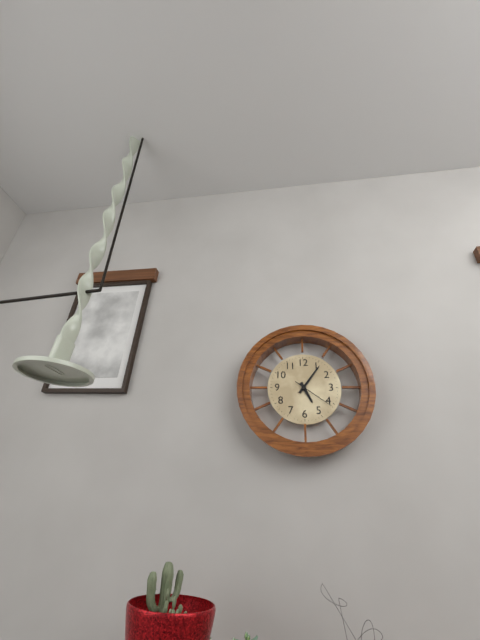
**5:06**
